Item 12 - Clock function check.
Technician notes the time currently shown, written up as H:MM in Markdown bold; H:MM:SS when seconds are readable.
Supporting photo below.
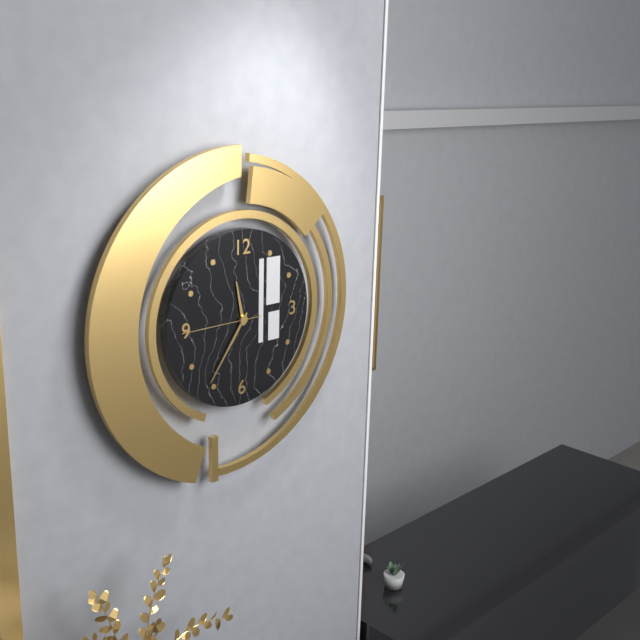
**11:36:45**
